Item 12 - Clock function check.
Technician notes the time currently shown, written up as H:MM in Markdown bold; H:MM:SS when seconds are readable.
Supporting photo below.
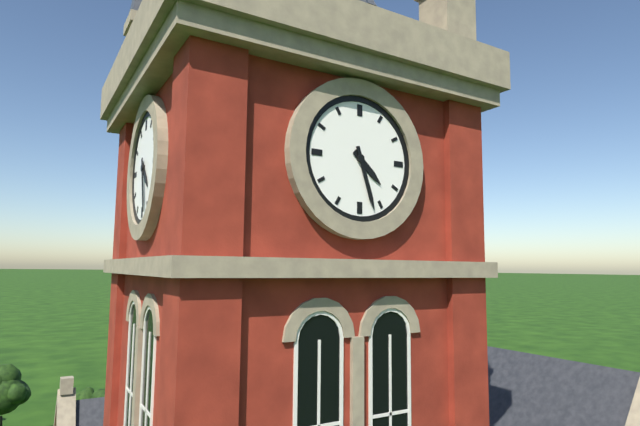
**4:27**
